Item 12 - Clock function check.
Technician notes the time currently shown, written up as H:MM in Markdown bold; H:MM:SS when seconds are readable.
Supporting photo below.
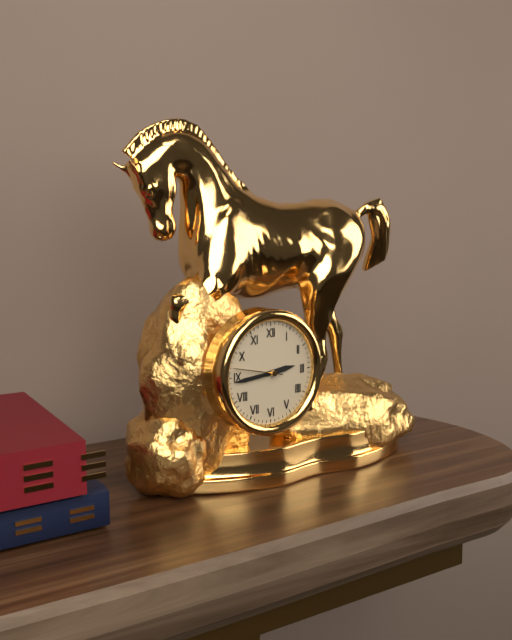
**2:44**
